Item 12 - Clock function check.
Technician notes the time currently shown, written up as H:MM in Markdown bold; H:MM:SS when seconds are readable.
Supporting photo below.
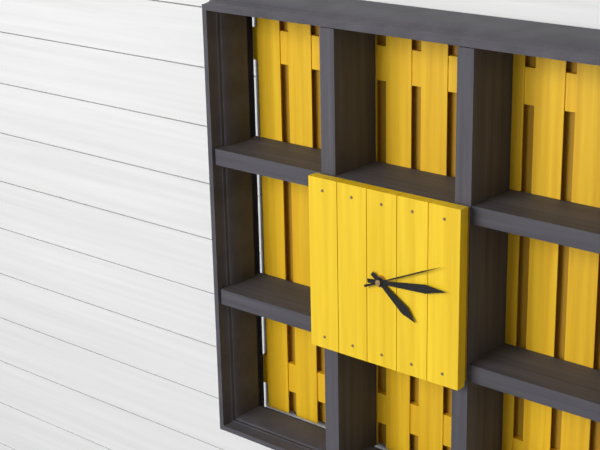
**4:14:11**
